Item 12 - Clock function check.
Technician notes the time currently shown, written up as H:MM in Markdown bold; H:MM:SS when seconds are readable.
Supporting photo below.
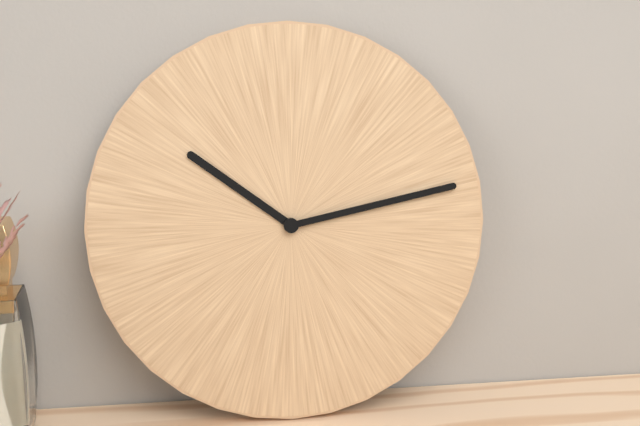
**10:13**
